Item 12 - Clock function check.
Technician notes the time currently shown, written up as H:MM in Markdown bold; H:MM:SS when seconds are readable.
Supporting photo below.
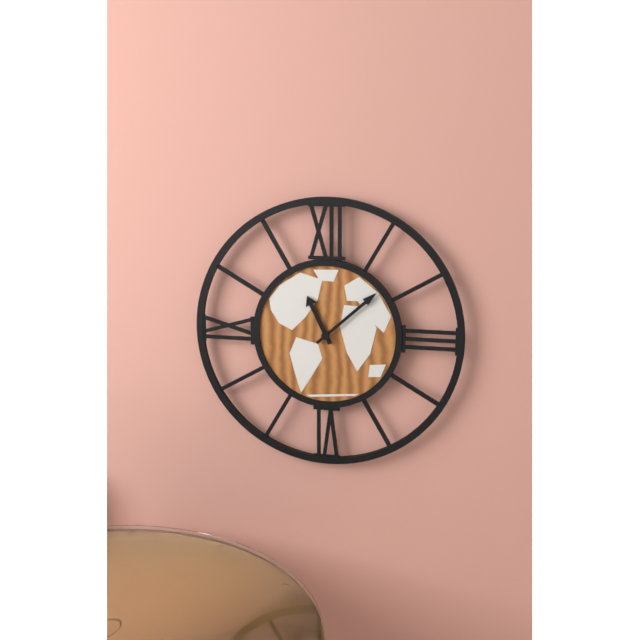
**11:08**
